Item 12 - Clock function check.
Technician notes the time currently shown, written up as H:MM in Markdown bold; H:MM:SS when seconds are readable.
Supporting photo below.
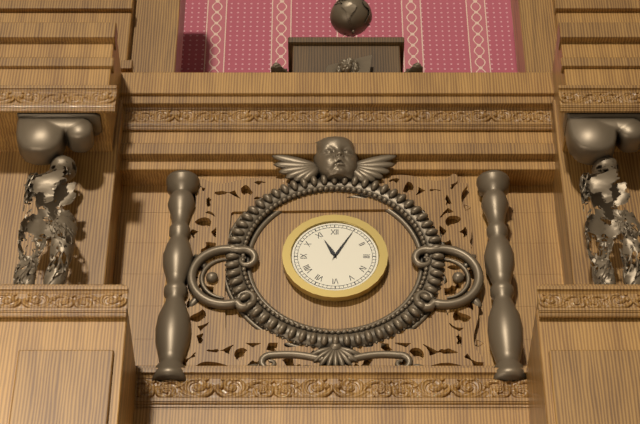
**11:05**
